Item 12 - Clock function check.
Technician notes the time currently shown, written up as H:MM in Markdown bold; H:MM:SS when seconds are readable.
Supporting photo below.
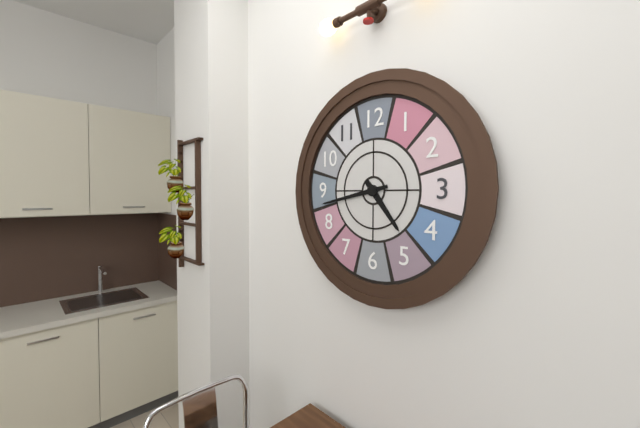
**4:43**
